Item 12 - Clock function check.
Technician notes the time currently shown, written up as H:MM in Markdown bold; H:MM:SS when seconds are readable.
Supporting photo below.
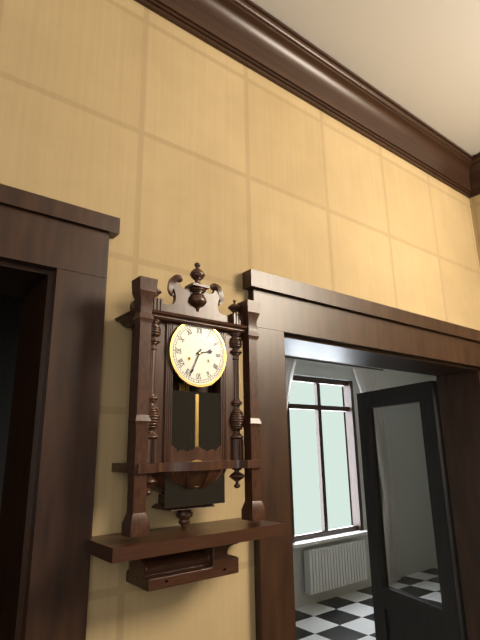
**2:34**
